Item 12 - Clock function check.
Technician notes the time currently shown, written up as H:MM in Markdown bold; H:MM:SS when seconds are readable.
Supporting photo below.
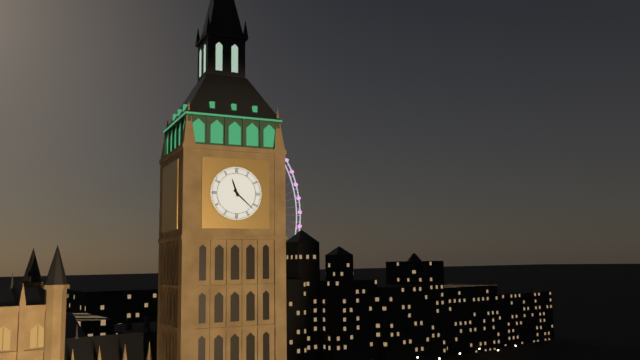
**11:22**
